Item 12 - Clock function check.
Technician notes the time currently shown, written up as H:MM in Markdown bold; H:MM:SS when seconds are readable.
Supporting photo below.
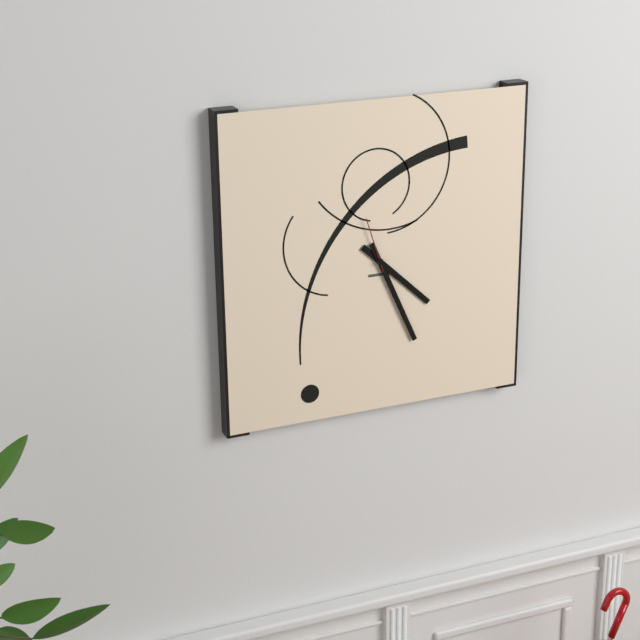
**4:26:57**
